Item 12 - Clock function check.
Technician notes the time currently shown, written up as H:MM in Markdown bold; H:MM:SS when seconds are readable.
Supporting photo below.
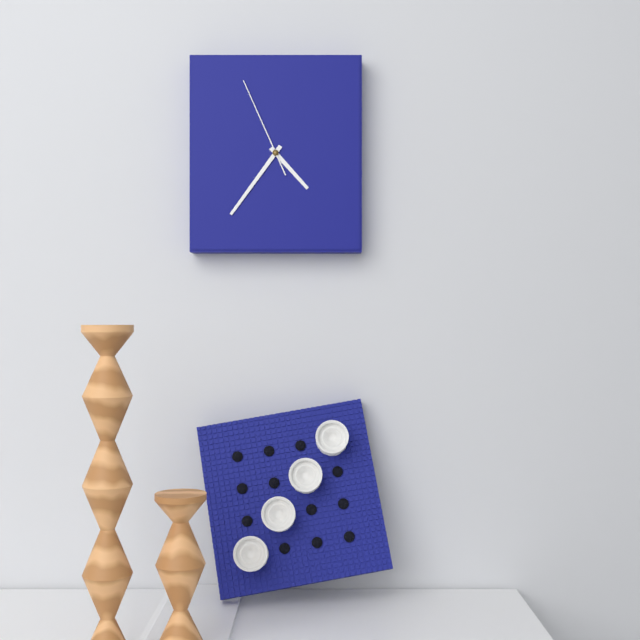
**4:36:56**
